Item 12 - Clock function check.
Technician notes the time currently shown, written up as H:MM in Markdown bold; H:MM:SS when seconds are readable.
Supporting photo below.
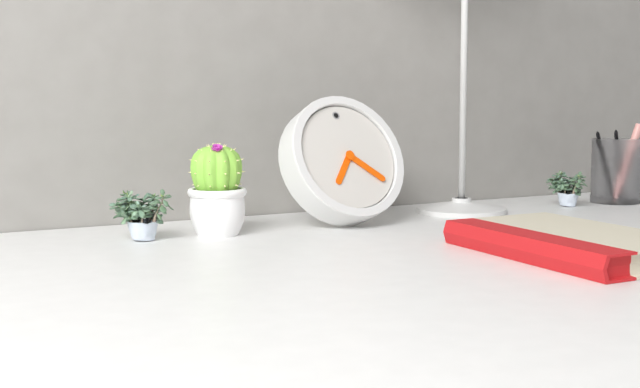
**7:22**
